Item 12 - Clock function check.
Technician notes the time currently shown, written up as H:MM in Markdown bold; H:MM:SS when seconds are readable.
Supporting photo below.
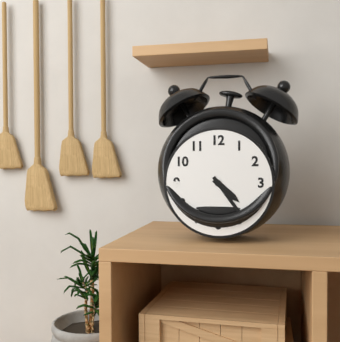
**4:24**
